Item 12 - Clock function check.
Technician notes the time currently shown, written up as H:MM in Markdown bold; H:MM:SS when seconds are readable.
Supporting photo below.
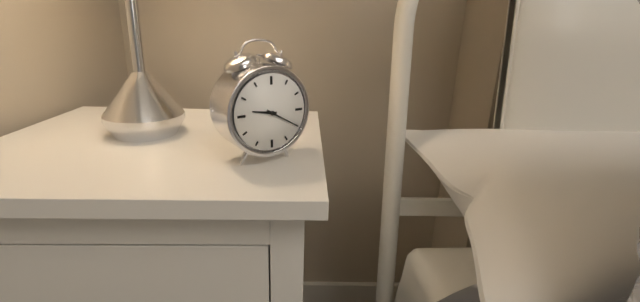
**9:20**
